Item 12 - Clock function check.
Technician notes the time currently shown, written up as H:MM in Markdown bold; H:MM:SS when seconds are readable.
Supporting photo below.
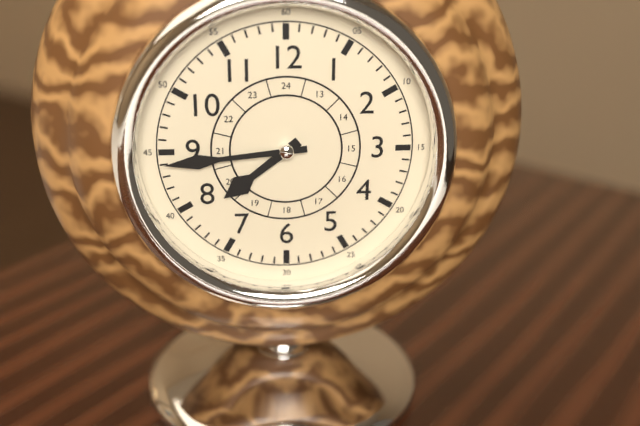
**7:44**
